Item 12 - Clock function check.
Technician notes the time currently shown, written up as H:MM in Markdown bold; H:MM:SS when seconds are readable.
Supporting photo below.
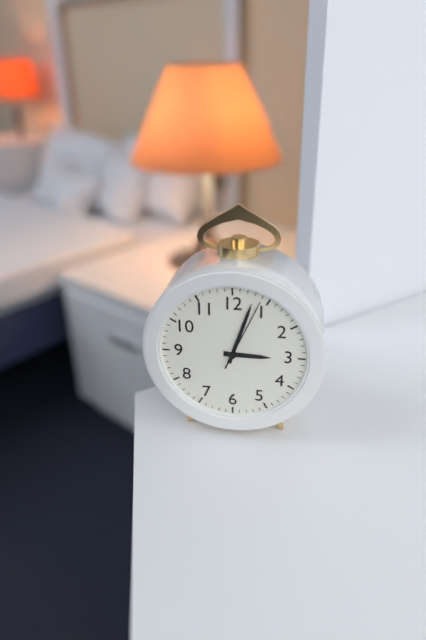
**3:03:04**
